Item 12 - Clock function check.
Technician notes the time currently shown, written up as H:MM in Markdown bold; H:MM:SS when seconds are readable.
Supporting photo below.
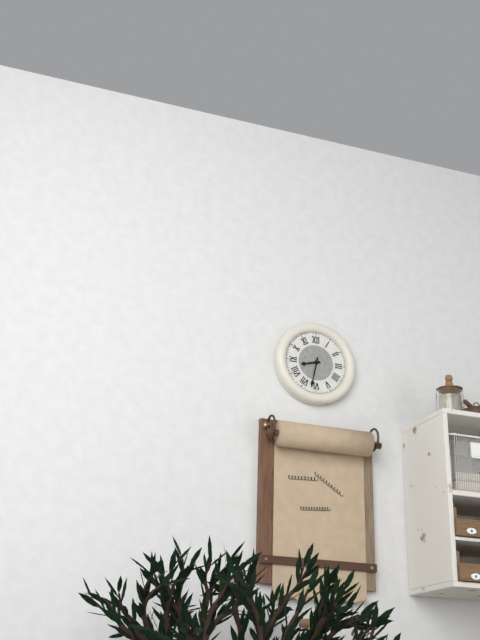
**8:32**
